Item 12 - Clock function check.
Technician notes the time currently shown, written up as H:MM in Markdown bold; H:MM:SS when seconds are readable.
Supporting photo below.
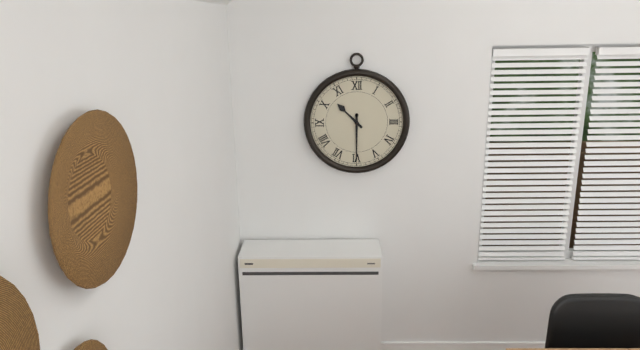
**10:30**
